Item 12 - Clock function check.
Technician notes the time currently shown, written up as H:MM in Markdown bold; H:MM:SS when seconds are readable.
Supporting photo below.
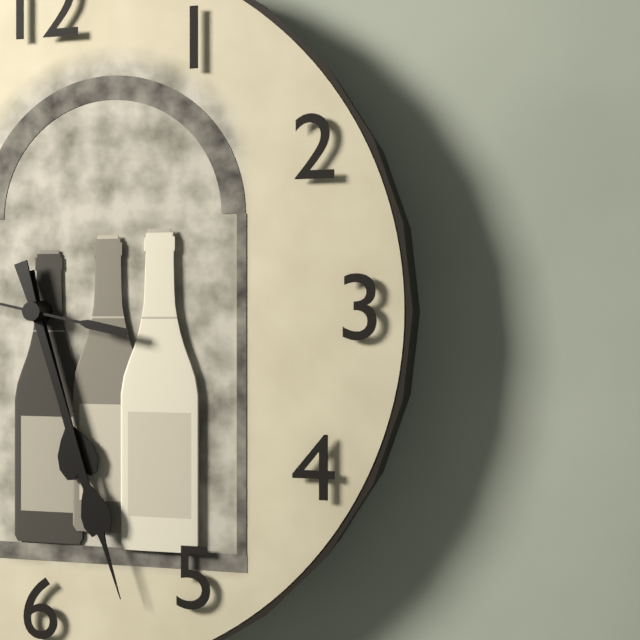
**5:27**
